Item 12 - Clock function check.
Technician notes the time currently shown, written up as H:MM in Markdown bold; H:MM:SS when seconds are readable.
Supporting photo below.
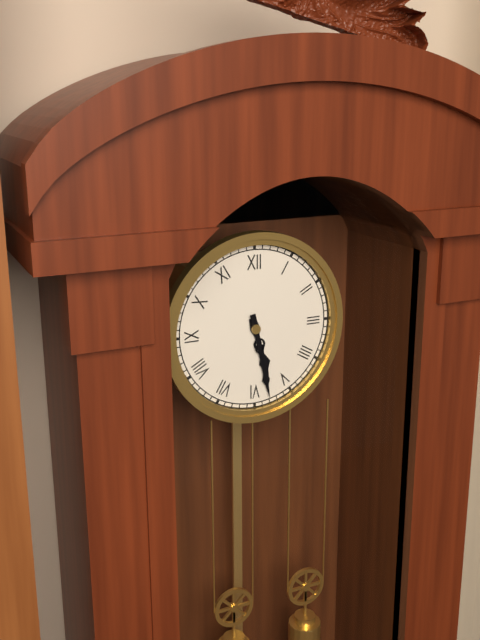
**5:28**
